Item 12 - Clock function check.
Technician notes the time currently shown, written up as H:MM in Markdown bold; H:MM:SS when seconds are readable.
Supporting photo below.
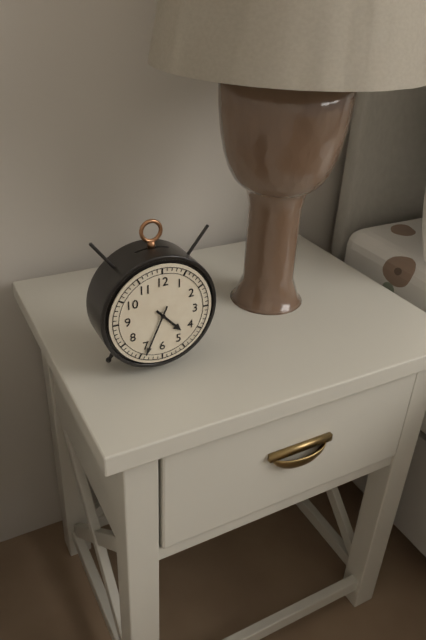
**4:34**
